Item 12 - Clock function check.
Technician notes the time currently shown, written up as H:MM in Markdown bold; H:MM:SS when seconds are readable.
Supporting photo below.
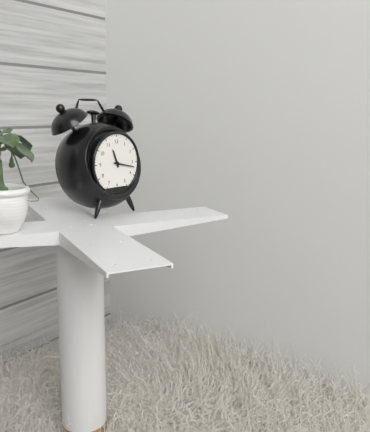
**11:17**
